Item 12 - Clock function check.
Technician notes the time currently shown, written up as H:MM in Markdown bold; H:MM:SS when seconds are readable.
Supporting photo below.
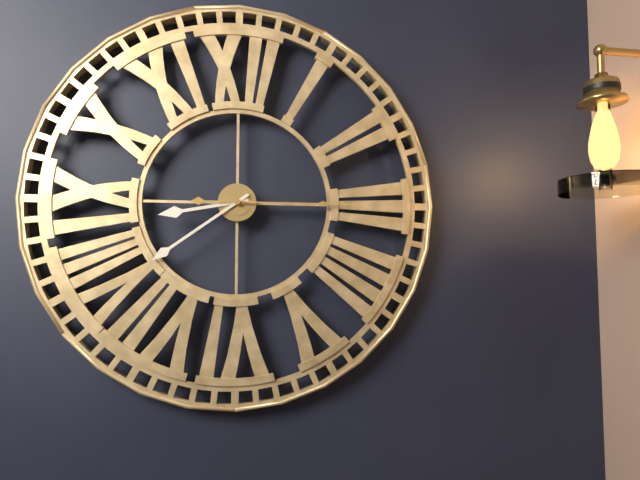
**8:39:15**
